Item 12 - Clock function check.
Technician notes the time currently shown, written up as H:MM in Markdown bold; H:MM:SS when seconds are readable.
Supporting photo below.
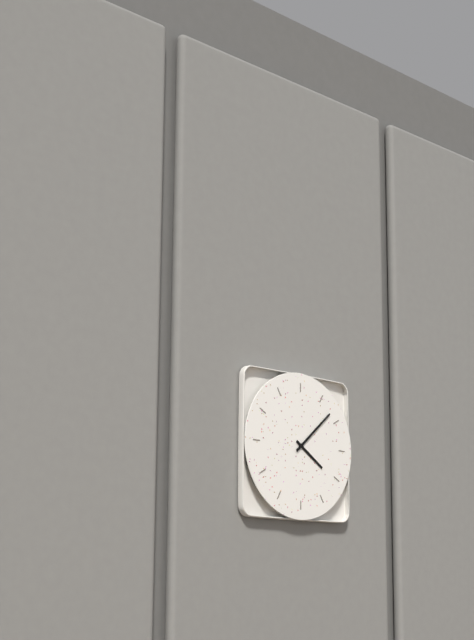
**4:08**
